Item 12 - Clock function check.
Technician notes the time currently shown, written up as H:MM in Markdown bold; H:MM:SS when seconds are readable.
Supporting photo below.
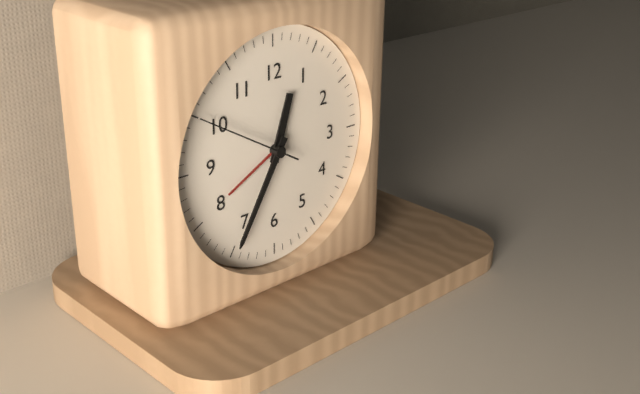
**12:35:50**
